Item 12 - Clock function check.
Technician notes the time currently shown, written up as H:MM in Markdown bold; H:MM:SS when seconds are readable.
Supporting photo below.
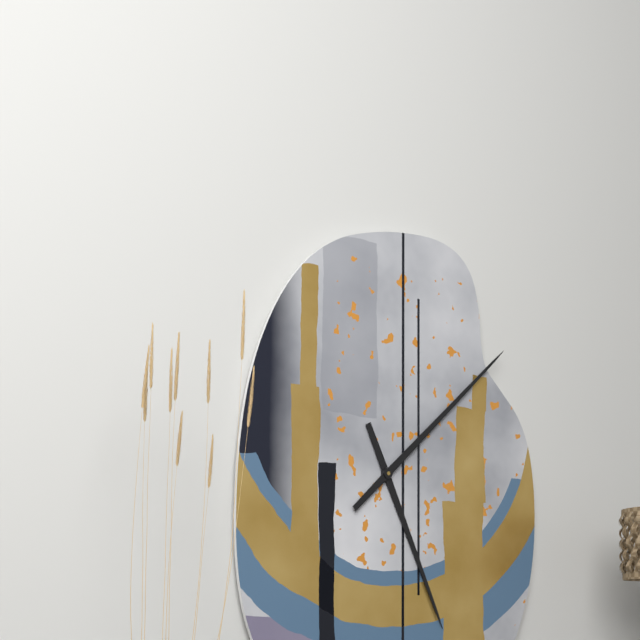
**5:08**
